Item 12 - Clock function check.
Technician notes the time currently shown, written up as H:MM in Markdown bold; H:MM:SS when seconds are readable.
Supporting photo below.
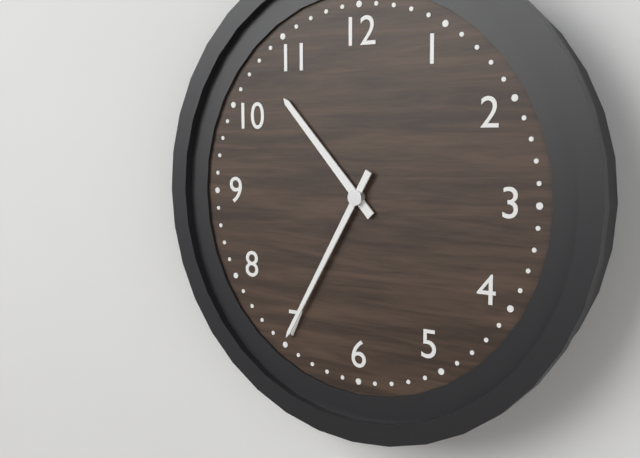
**10:35**
